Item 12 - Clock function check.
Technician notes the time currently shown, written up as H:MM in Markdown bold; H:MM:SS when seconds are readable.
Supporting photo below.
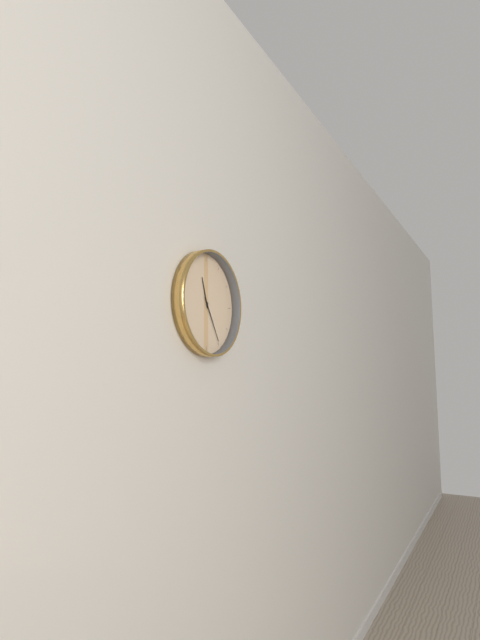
**11:25**
